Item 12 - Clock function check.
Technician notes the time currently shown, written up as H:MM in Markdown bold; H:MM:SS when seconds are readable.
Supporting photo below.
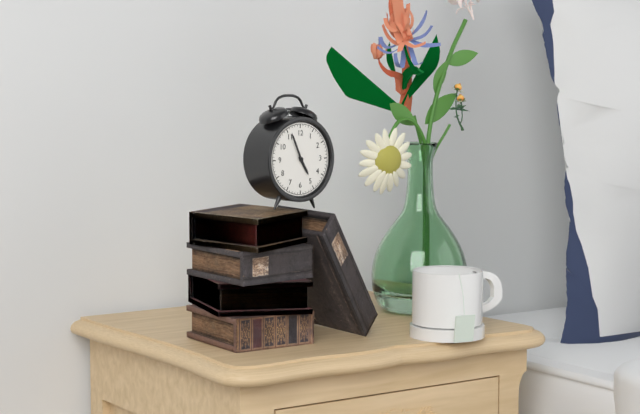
**4:56**
